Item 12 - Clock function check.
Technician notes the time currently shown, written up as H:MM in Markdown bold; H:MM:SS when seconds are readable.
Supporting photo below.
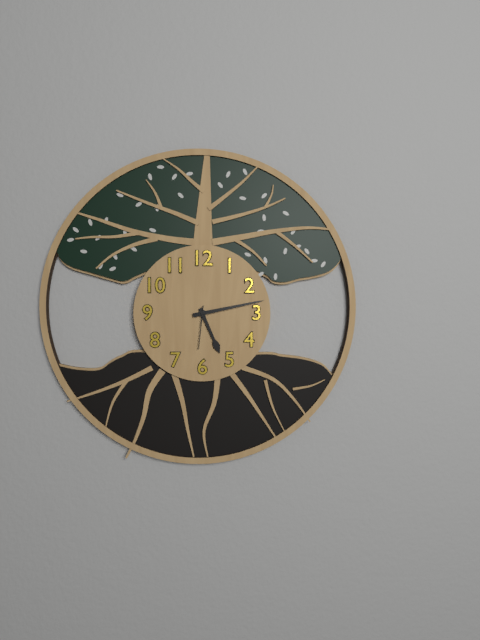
**5:13**
